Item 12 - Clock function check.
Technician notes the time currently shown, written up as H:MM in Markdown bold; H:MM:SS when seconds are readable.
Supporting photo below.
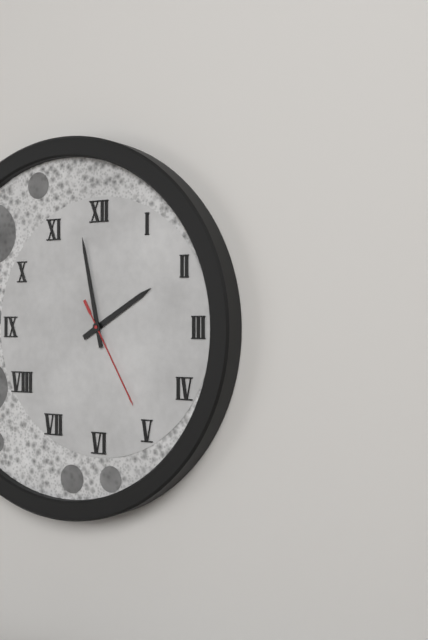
**1:58:25**
